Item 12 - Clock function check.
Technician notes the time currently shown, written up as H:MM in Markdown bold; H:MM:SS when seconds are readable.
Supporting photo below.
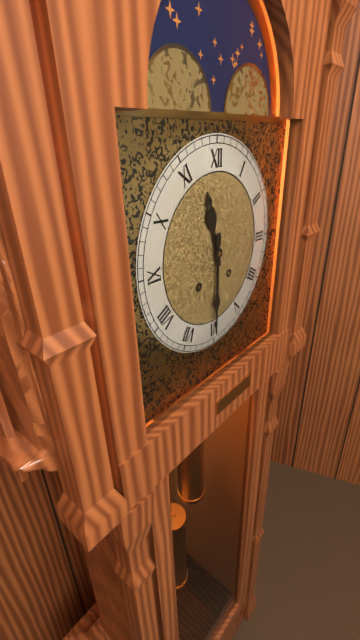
**11:30**
